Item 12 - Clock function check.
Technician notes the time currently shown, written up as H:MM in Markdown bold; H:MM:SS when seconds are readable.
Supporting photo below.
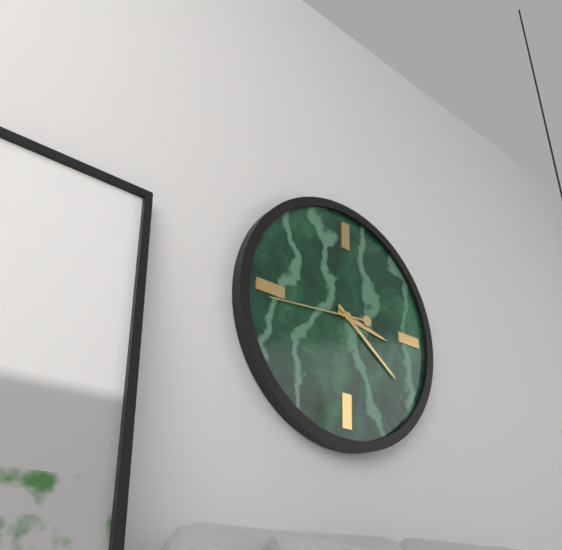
**3:21:44**
